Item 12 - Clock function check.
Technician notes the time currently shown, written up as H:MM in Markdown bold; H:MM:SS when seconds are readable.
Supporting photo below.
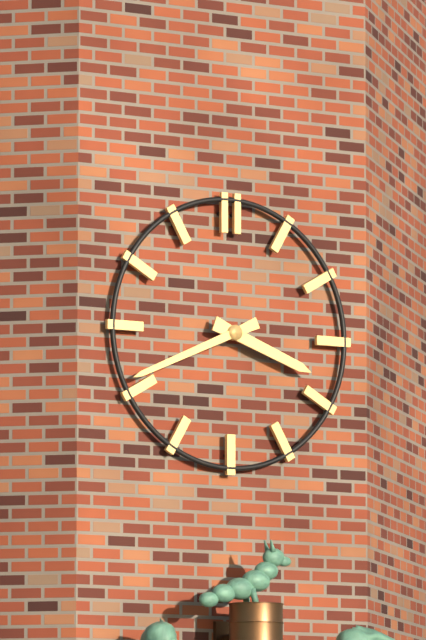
**3:41**
